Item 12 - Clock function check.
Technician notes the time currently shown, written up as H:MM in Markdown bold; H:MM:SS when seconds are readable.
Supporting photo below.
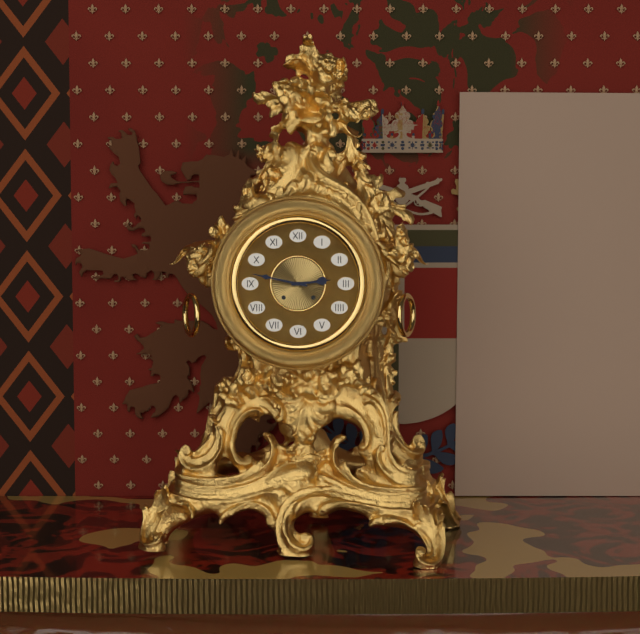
**2:47**
